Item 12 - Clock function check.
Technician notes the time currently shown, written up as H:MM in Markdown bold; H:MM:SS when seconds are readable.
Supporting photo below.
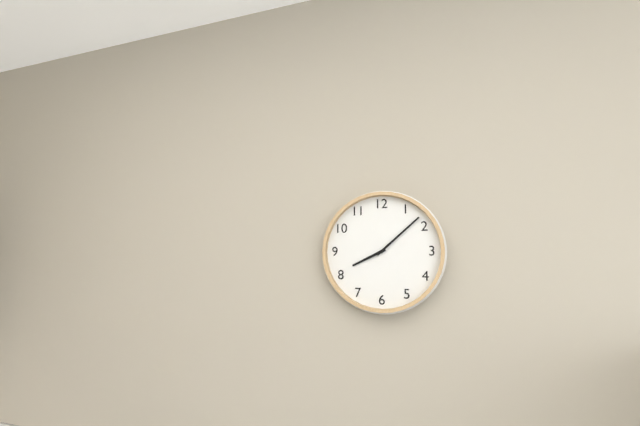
**8:08**
